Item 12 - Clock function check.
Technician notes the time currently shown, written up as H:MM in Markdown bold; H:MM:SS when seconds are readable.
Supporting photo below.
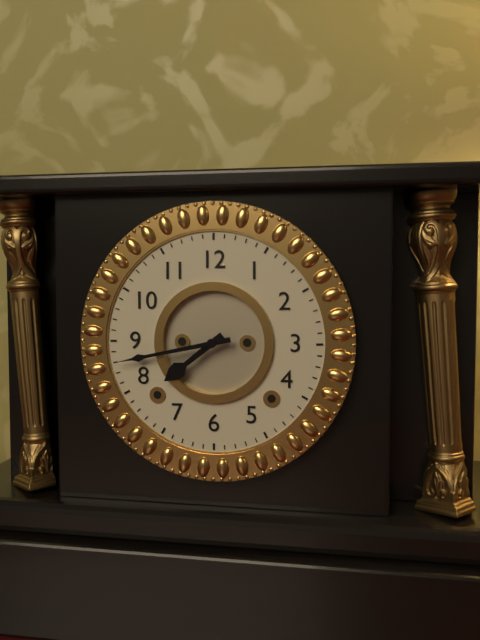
**7:43**
